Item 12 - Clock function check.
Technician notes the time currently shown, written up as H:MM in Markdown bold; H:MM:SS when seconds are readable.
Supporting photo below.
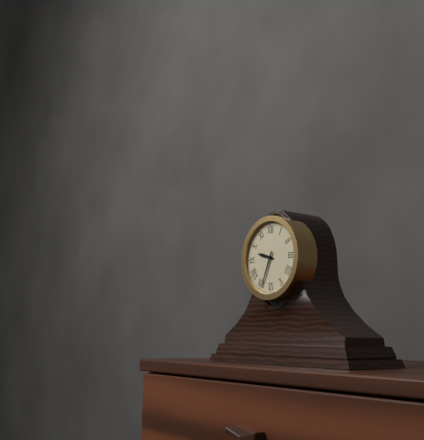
**9:34**
